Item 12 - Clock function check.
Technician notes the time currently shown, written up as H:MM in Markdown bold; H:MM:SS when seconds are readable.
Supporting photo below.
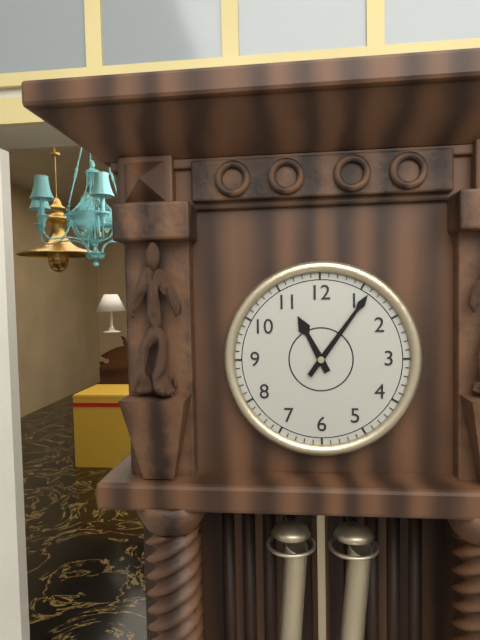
**11:06**
